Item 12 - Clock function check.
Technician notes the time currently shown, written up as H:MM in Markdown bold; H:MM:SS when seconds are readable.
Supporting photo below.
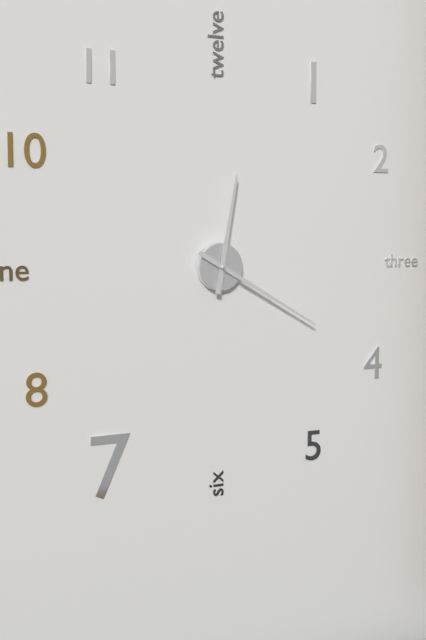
**12:20**
